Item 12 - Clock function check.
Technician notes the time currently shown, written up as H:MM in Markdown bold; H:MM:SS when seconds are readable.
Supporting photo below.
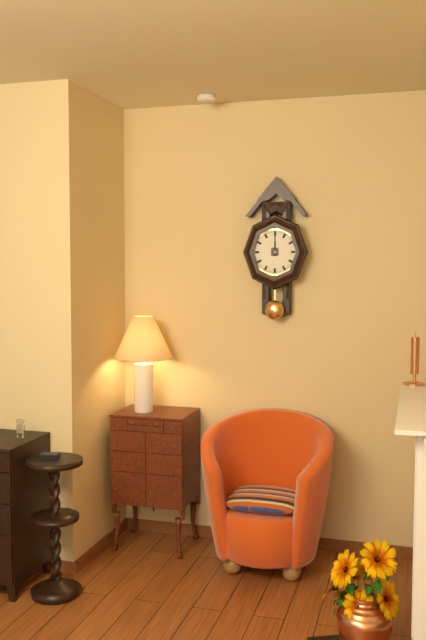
**12:00**
